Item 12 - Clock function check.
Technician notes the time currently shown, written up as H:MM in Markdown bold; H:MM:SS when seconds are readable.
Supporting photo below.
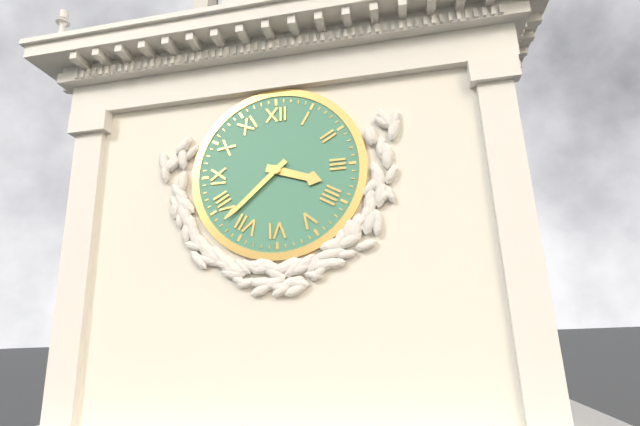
**3:38**
